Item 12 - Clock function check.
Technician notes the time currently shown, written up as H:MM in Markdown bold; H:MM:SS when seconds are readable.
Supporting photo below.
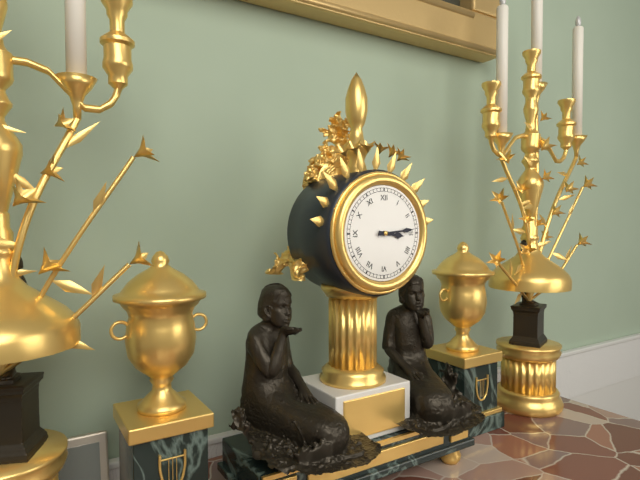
**3:14**
